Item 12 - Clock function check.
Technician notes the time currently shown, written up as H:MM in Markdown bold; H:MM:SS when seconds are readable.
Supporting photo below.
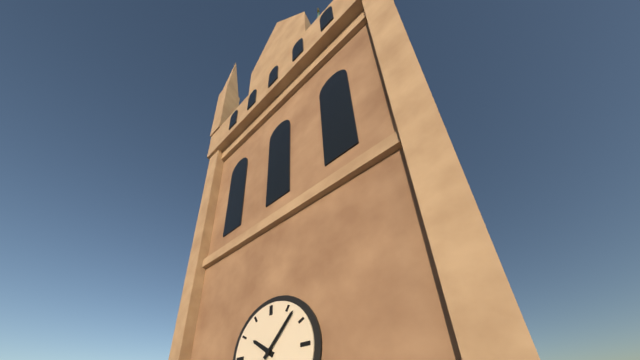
**10:07**
